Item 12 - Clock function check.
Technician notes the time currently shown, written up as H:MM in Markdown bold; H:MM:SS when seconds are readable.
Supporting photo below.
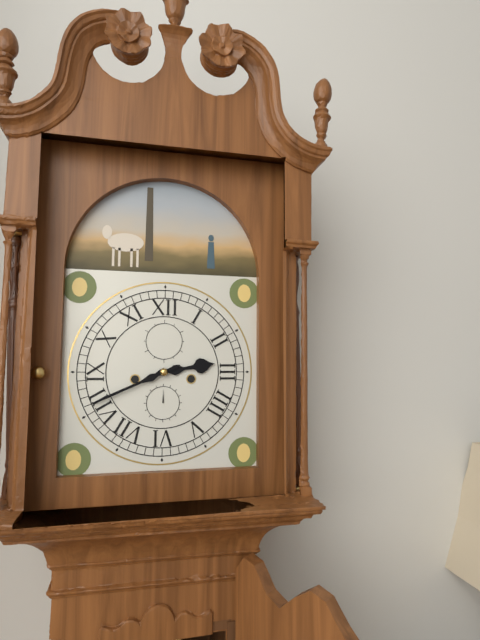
**2:41**
